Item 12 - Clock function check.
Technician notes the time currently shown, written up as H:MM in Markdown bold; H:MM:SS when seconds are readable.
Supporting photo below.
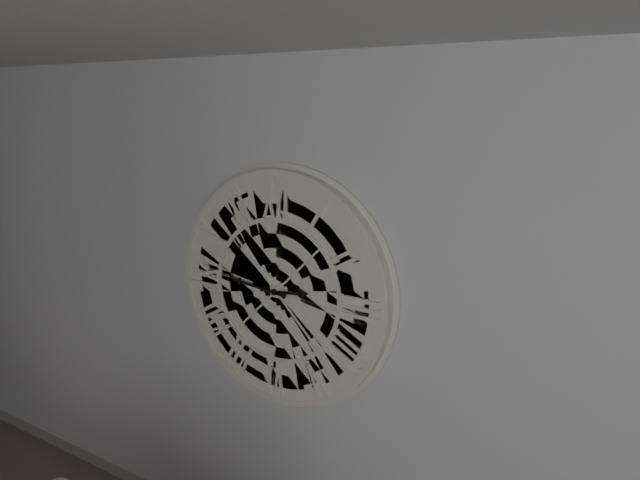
**2:46**
